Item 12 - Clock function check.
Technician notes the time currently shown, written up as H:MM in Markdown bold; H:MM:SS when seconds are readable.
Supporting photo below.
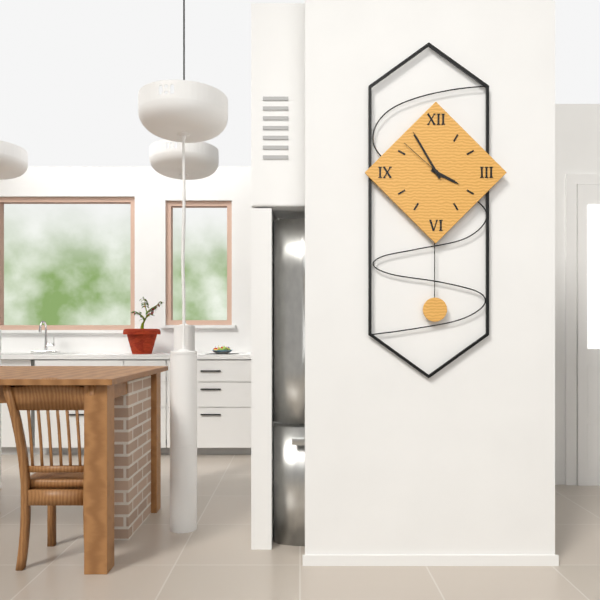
**3:55:52**
